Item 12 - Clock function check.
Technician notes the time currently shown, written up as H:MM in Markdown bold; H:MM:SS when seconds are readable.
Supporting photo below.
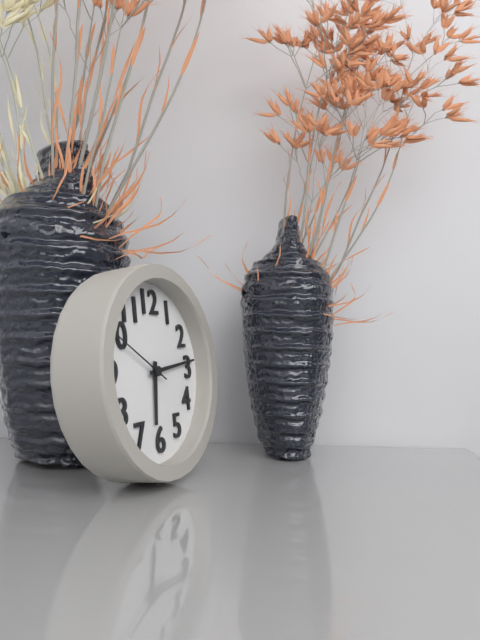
**6:14:50**
